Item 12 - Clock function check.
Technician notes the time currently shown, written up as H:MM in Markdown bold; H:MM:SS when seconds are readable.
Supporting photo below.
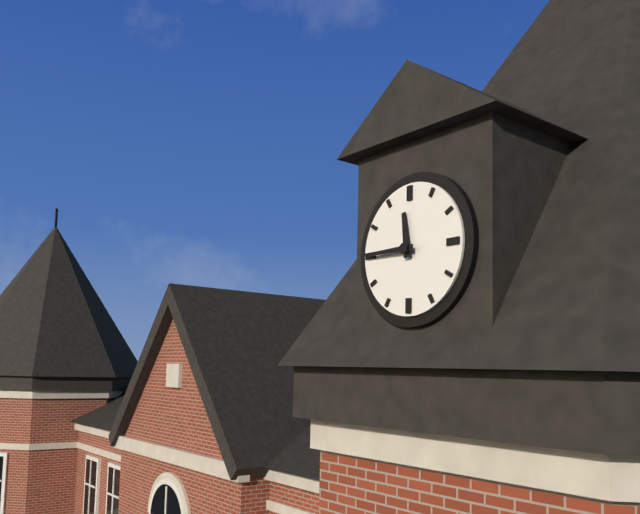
**11:45**
